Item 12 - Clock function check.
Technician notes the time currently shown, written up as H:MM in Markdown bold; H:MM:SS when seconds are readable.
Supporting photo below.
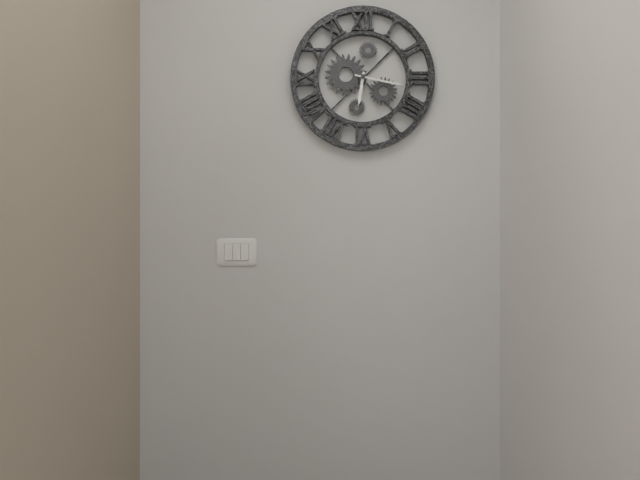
**6:17**
